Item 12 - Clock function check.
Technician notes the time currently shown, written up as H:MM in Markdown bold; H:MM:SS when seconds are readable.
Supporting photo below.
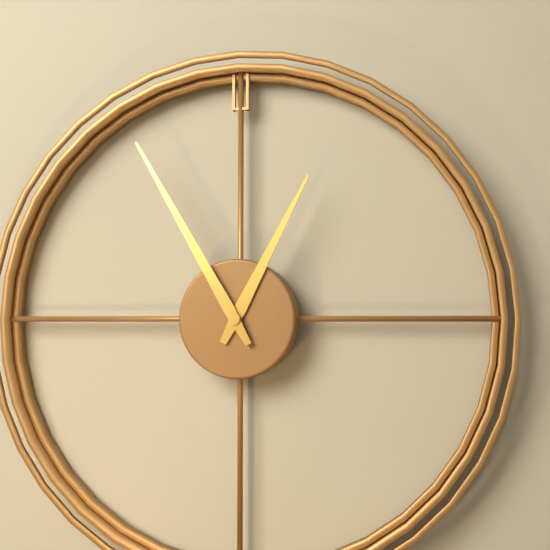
**12:55**
